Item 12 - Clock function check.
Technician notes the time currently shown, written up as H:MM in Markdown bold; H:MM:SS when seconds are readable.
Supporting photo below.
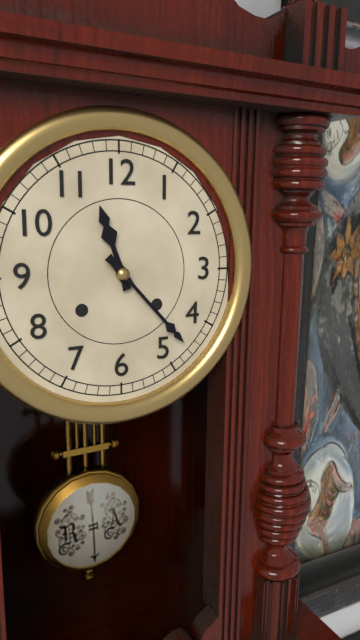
**11:23**
